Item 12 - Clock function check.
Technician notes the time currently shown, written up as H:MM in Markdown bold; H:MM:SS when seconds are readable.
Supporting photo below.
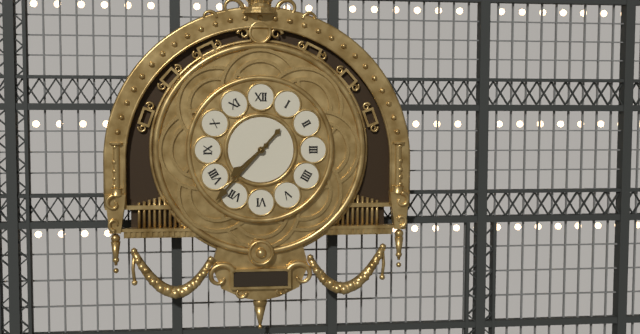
**7:37**
